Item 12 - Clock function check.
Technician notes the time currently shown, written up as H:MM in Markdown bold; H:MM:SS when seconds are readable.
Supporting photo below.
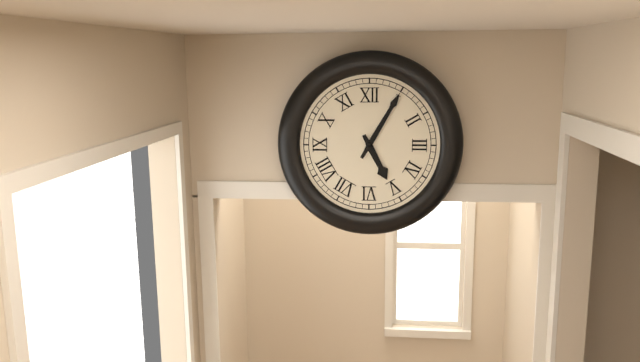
**5:05**
